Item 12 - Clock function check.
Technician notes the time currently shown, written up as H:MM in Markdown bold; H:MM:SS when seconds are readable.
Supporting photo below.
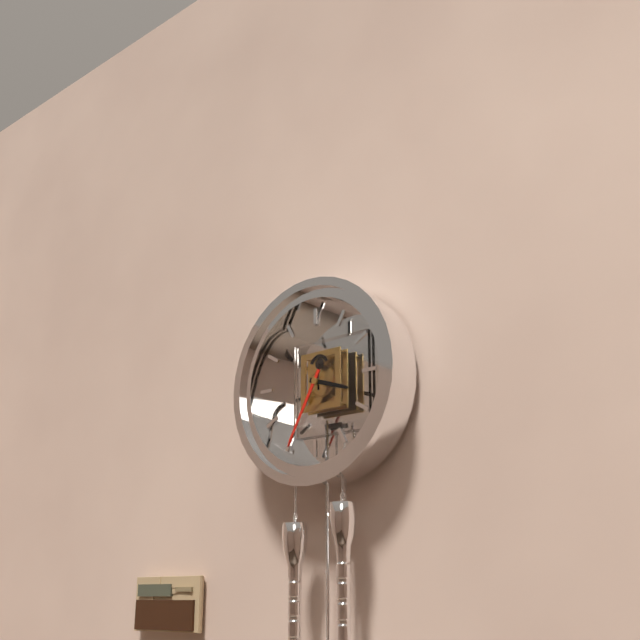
**3:35**
